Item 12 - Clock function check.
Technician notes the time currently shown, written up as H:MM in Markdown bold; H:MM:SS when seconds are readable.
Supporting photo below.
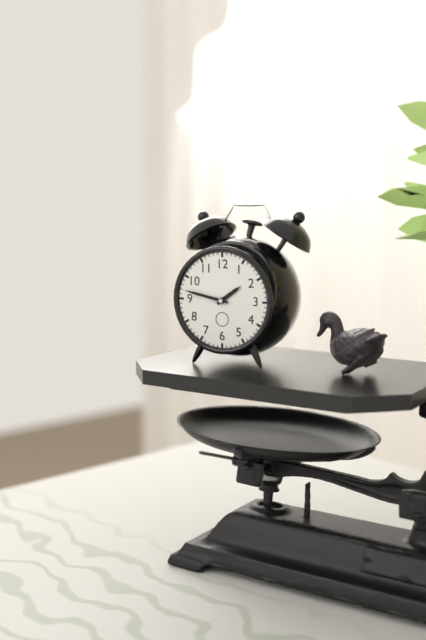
**1:47**
